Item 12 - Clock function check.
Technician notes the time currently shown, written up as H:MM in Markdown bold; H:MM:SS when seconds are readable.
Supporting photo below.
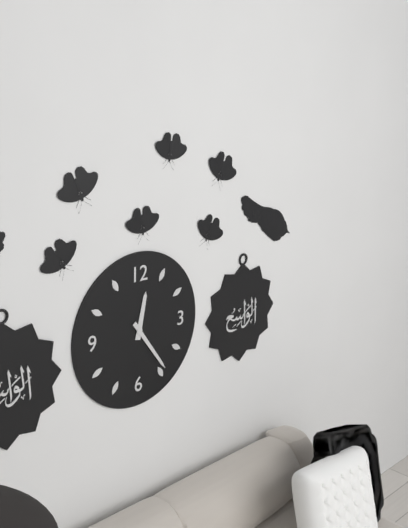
**12:24**
